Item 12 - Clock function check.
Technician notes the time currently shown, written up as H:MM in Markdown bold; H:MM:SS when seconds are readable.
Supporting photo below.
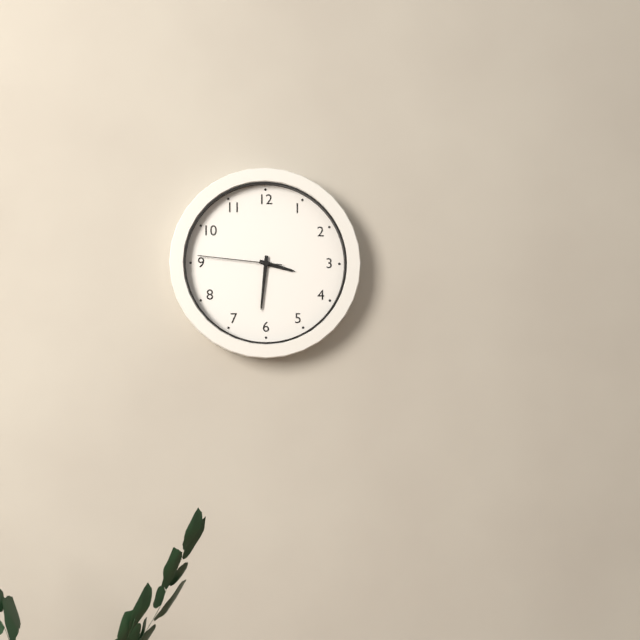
**3:31:46**
